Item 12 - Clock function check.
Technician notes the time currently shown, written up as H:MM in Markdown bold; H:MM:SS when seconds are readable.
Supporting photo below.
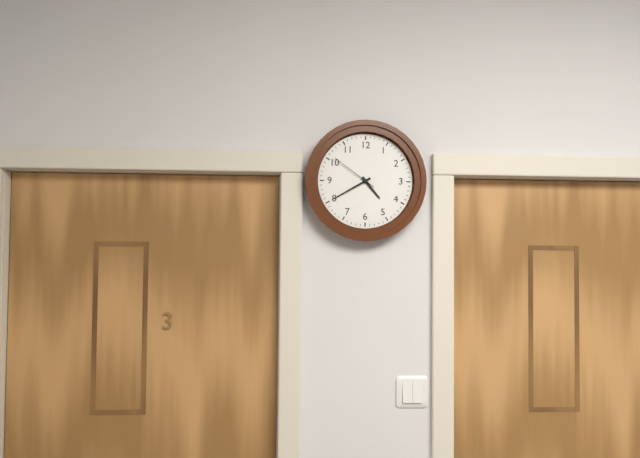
**4:40**
